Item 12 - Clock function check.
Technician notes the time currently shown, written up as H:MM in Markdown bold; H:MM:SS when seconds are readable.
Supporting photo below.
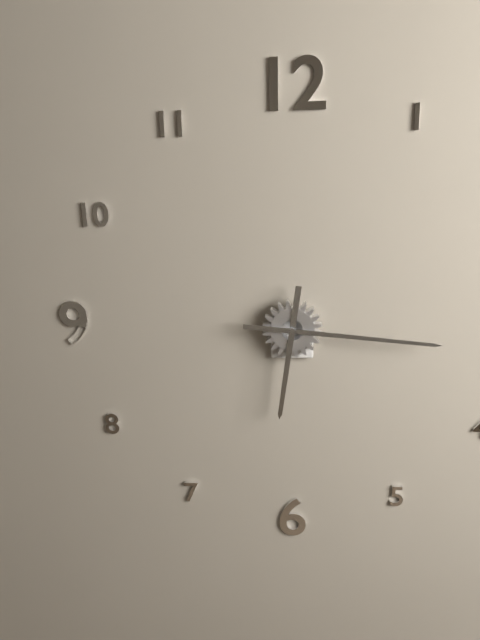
**6:16**
